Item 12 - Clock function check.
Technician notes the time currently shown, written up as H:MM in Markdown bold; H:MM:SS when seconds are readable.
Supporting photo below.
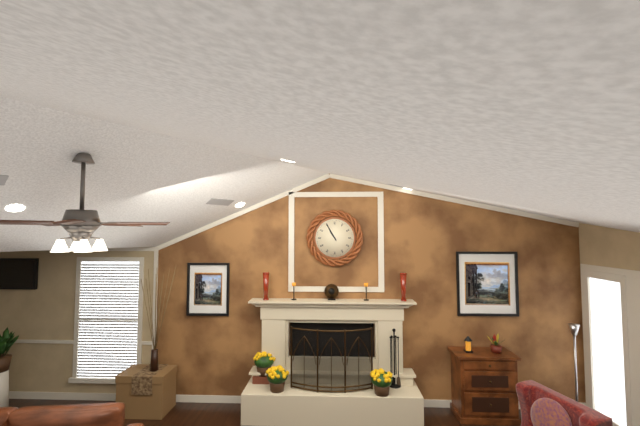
**10:55**
